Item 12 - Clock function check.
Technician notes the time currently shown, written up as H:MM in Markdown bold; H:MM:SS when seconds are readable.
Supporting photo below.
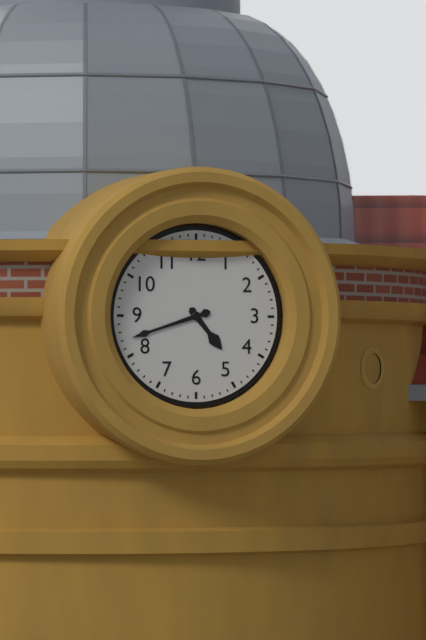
**4:42**
